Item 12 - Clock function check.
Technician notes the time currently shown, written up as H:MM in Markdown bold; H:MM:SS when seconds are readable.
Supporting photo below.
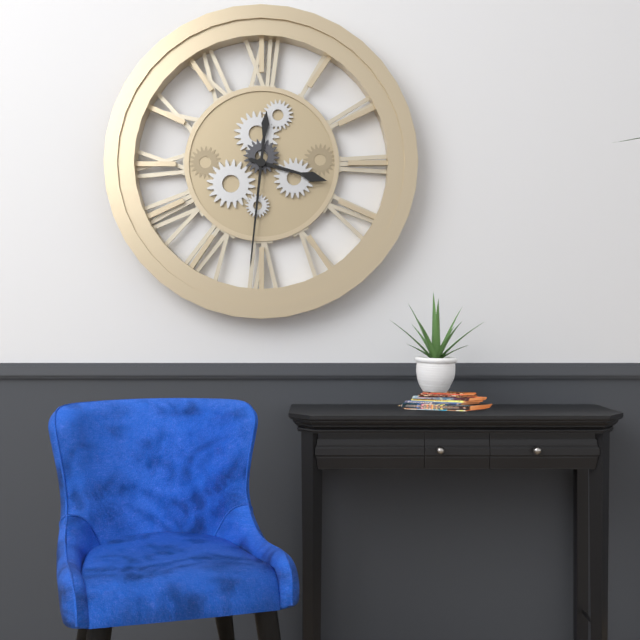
**3:31**
